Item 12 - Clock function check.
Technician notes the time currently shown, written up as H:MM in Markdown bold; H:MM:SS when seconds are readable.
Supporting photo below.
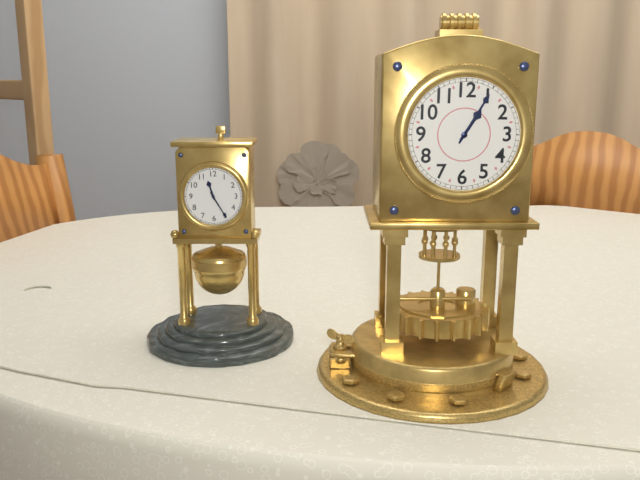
**1:05**
